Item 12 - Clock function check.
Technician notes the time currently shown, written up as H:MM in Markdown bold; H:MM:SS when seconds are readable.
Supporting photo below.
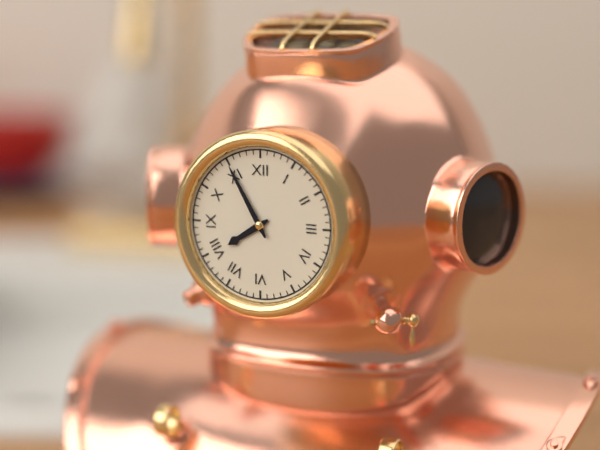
**7:55**
